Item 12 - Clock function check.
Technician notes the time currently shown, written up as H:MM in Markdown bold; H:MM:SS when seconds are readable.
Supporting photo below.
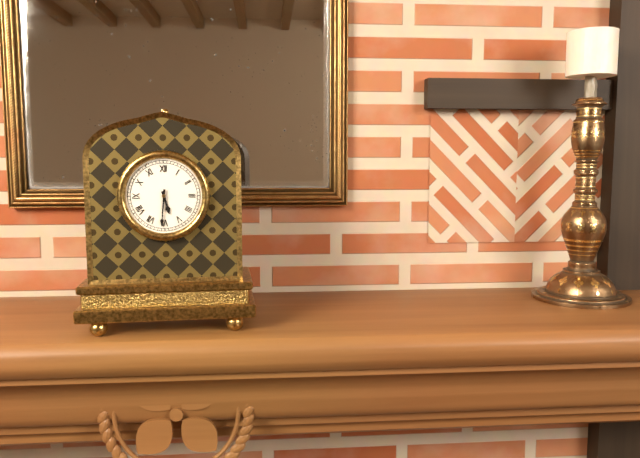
**5:31**
